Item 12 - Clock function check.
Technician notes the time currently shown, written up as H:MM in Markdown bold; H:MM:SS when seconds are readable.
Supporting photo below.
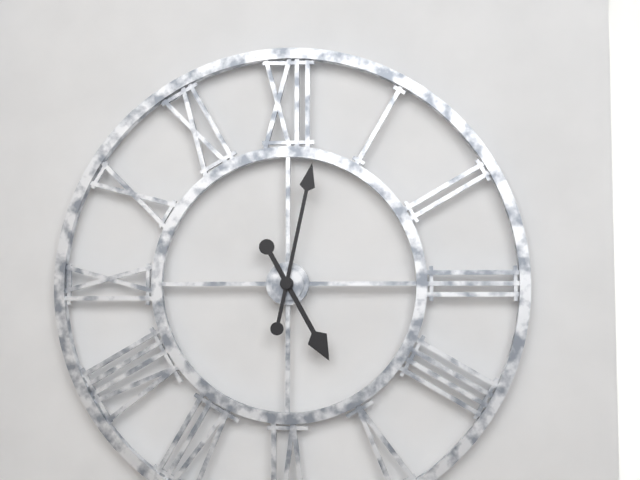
**5:02**
